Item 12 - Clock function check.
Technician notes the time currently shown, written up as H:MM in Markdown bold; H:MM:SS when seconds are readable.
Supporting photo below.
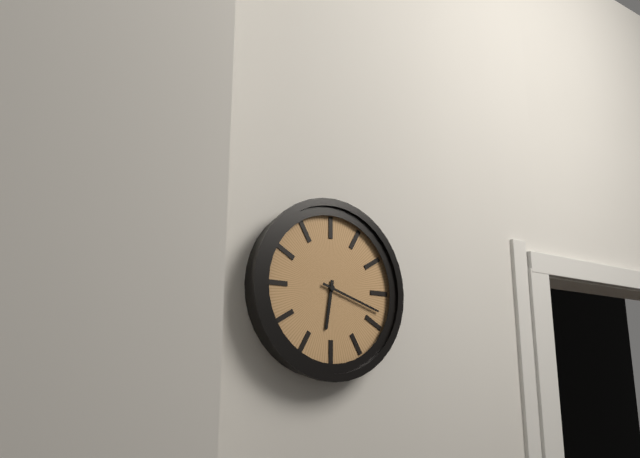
**6:18**
